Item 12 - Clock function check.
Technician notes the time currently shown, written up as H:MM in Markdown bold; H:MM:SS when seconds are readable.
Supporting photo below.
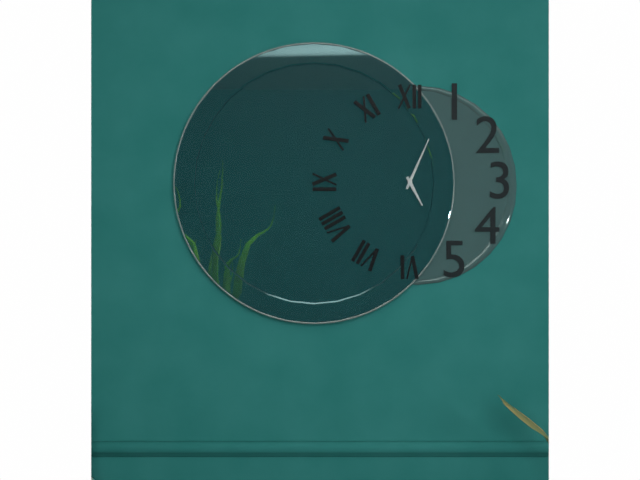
**5:04**
